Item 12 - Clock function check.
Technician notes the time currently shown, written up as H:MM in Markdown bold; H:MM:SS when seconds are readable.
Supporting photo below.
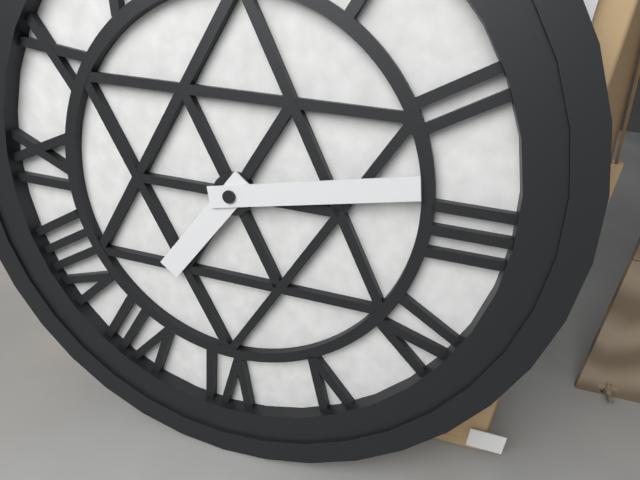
**7:13**
